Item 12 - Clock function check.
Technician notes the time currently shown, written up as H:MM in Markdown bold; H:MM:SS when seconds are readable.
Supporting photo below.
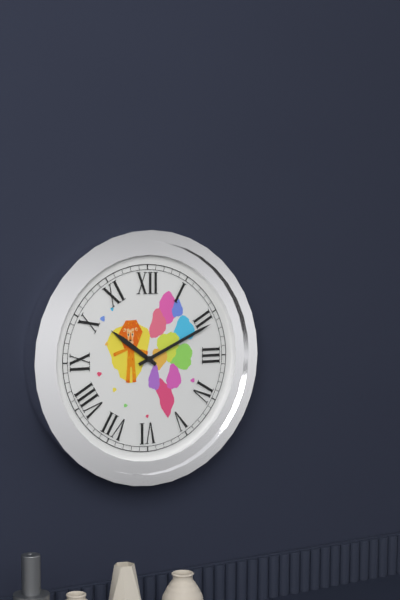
**10:11**
